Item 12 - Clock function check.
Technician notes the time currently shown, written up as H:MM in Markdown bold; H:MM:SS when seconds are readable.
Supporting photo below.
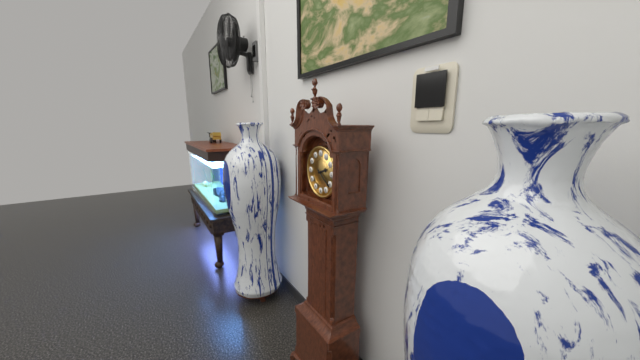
**2:21**
